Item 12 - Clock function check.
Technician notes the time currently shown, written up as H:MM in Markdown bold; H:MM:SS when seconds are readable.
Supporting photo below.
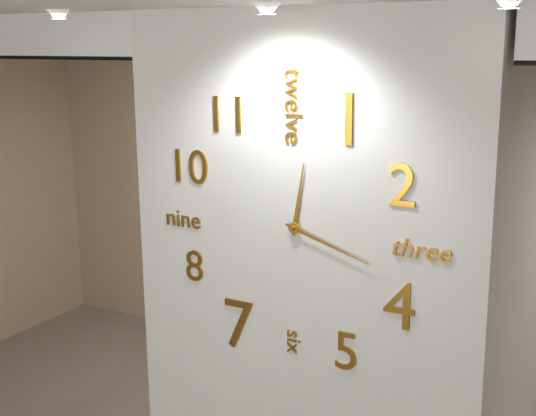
**12:18**
